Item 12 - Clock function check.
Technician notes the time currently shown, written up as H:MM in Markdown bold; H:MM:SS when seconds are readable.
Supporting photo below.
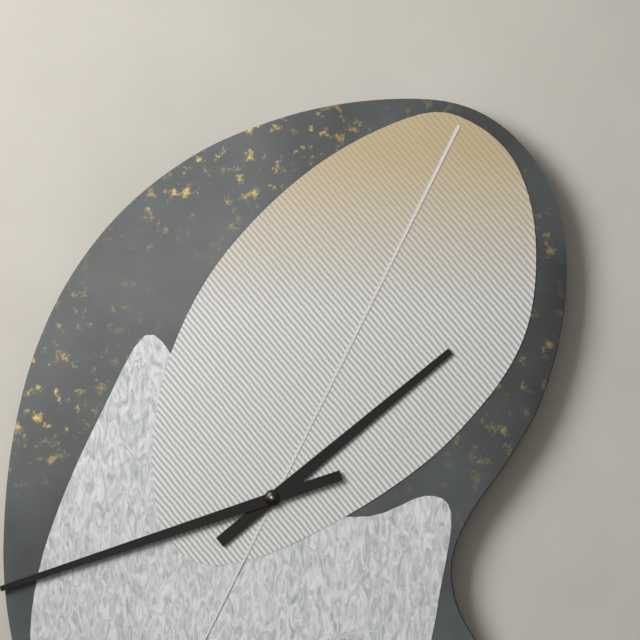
**1:42**
